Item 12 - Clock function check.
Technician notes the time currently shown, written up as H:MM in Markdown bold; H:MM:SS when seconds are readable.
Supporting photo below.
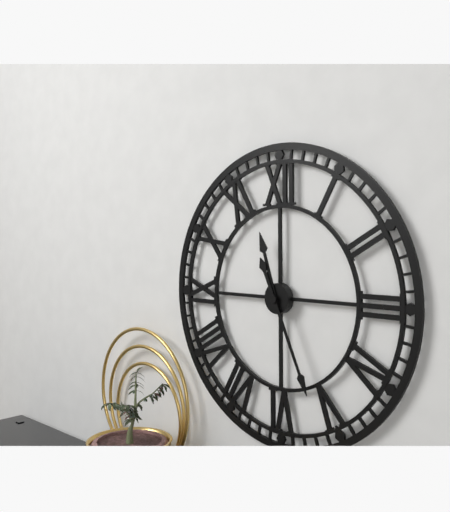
**11:26**
